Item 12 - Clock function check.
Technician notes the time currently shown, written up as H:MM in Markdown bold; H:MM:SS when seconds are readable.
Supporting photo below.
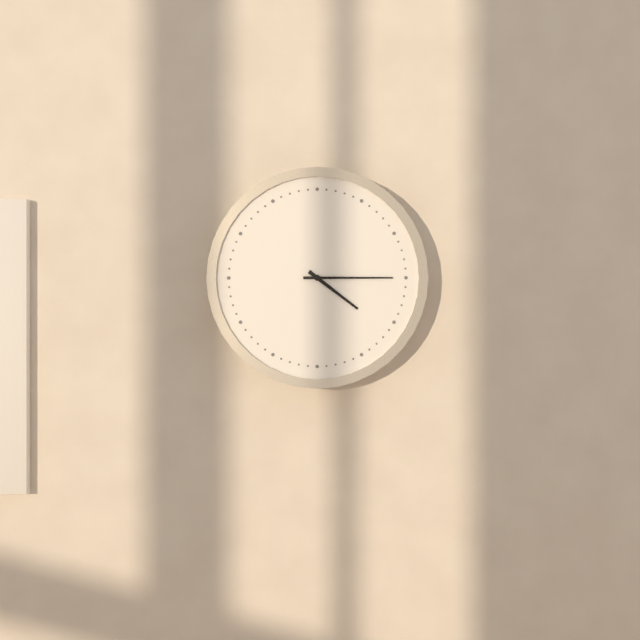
**4:15**
